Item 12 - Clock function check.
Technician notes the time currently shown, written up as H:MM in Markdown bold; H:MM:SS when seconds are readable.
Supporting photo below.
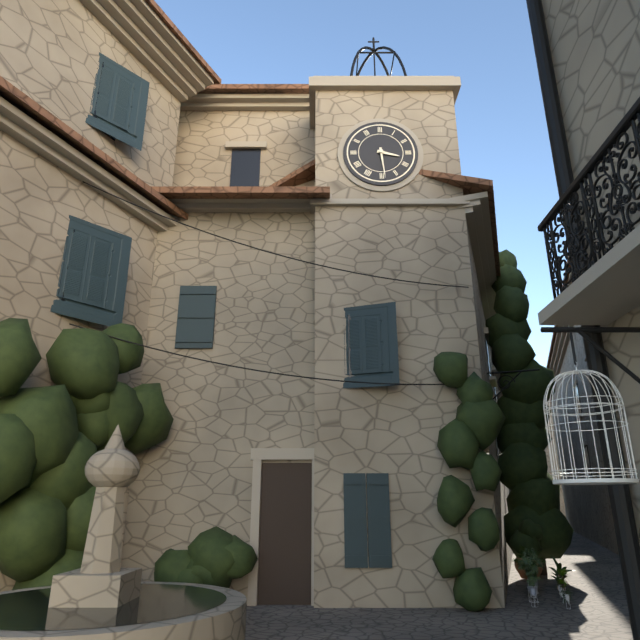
**3:29**
